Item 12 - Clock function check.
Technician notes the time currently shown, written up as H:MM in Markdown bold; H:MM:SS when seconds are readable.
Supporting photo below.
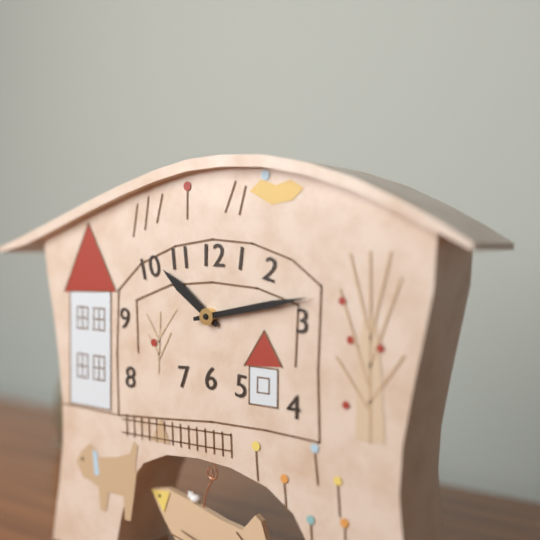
**10:13**
